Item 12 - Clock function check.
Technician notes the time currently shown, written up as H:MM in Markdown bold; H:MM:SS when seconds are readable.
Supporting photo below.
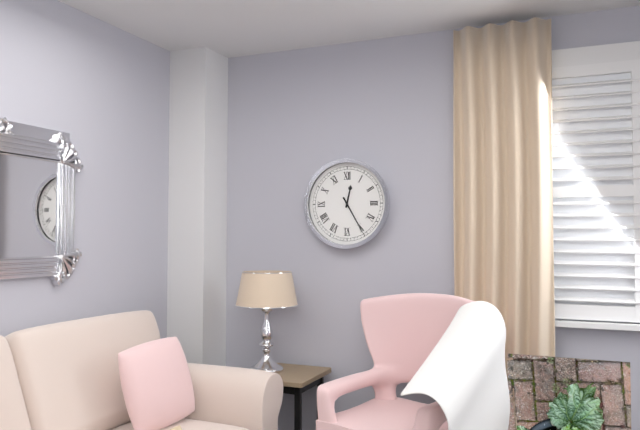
**12:25**
